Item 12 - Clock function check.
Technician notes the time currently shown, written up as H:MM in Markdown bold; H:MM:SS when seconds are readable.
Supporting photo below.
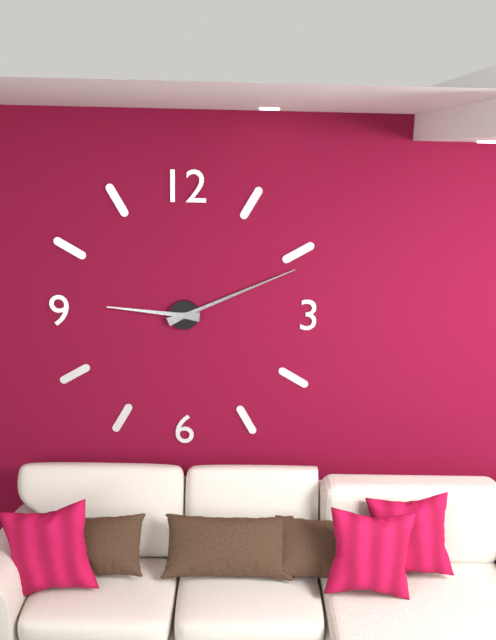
**9:11**
